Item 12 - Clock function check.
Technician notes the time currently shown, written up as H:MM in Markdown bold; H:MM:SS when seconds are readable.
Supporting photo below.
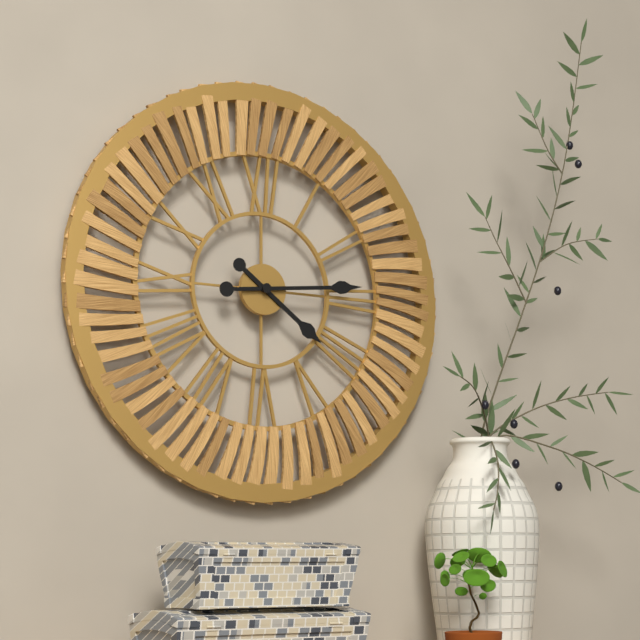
**4:14**
